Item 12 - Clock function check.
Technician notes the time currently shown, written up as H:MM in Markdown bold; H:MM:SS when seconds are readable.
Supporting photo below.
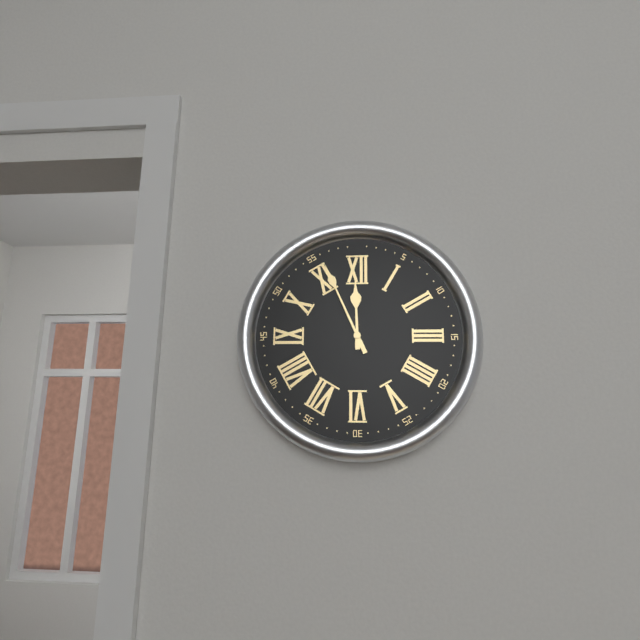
**11:56**
